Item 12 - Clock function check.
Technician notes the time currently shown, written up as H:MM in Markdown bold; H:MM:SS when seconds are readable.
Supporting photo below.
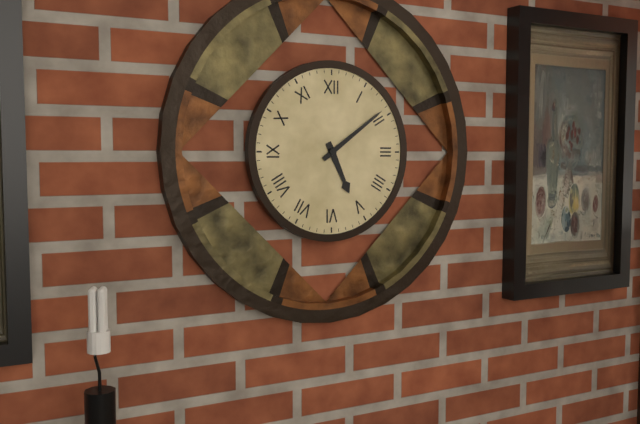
**5:09**
